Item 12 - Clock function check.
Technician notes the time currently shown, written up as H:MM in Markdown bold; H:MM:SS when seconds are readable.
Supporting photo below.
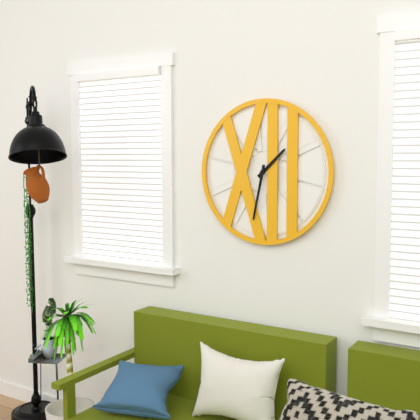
**1:32**
